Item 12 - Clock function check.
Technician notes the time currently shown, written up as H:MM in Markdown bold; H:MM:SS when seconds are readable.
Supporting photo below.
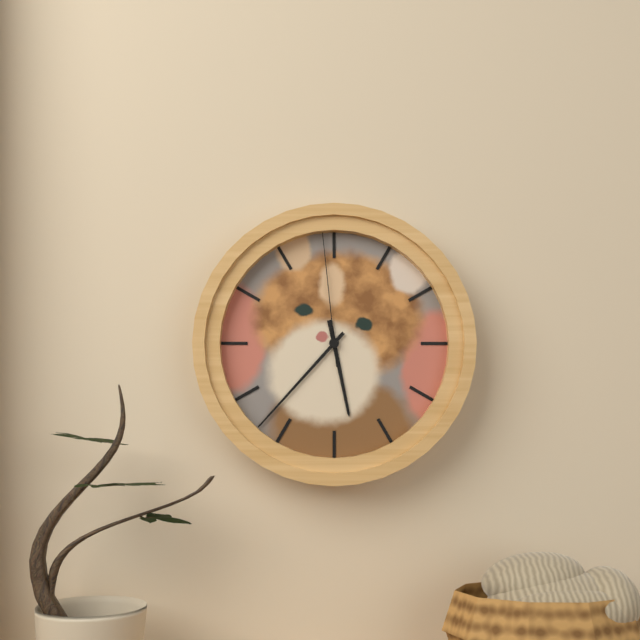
**5:37:59**
